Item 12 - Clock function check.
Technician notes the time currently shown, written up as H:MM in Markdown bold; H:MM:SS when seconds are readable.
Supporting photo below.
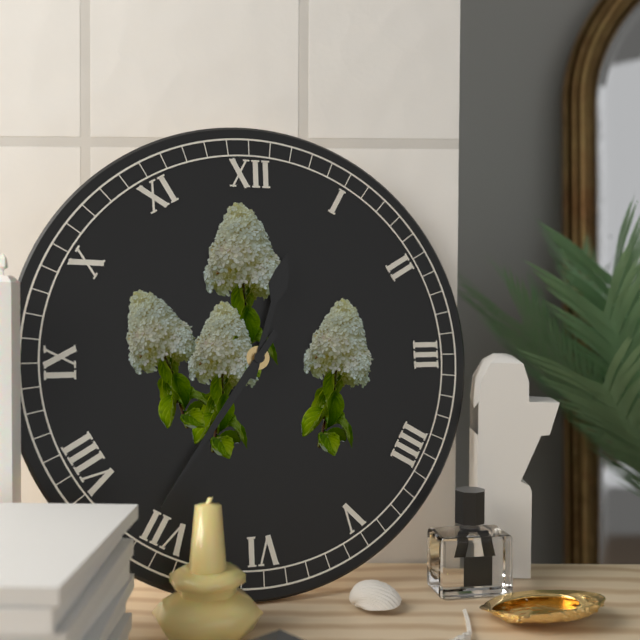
**12:36**
